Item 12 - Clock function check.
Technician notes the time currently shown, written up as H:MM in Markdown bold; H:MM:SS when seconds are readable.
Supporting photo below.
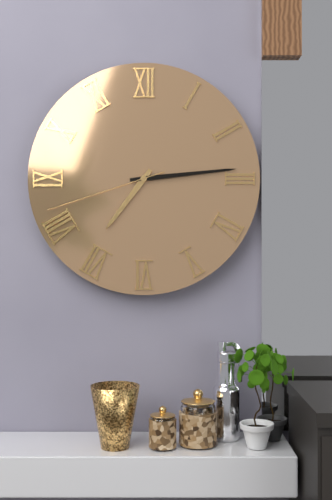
**7:14:42**
